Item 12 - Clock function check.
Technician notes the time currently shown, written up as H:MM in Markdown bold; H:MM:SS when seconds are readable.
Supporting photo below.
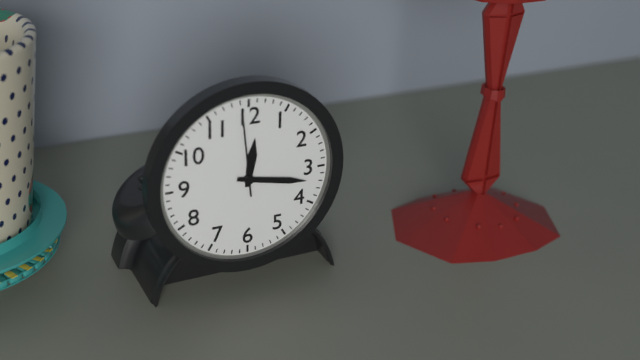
**12:17:59**
